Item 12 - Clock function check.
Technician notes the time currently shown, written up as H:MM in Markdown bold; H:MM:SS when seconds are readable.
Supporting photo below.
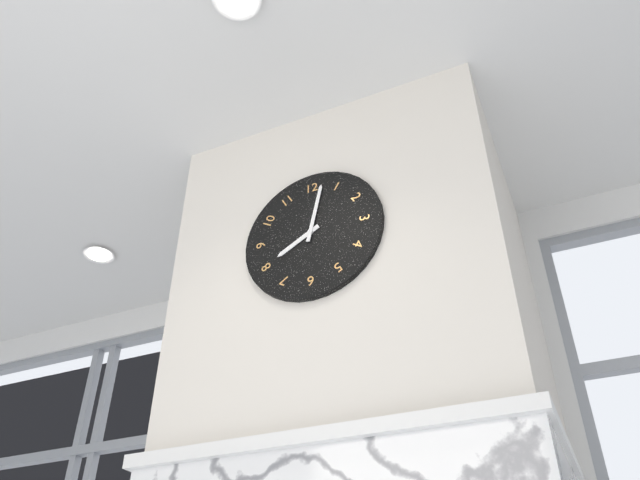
**8:02**
